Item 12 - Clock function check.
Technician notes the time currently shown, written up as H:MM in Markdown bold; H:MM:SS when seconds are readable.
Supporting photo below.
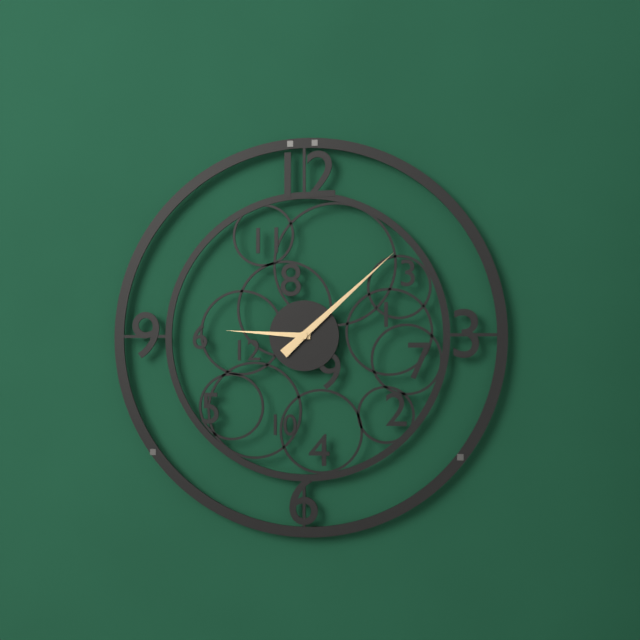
**9:08**
